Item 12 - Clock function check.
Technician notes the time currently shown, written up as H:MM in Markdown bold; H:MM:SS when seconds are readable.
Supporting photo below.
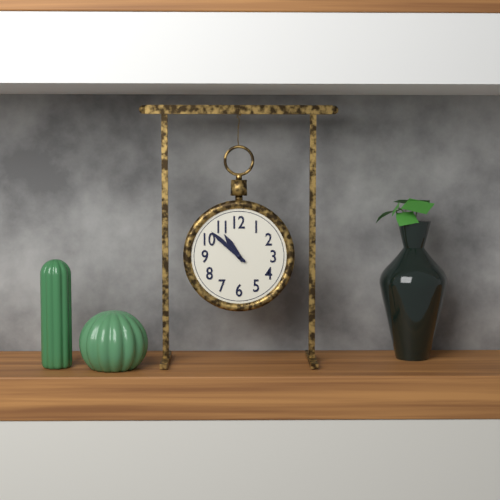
**10:52**
